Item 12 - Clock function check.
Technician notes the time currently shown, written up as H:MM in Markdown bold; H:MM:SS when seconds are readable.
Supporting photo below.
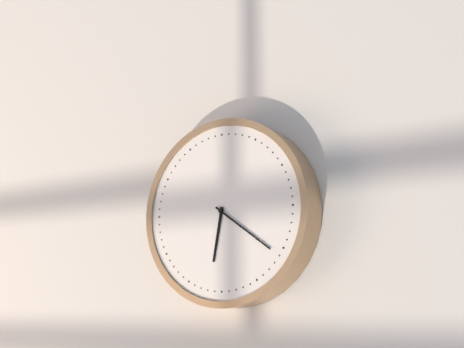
**6:21**
